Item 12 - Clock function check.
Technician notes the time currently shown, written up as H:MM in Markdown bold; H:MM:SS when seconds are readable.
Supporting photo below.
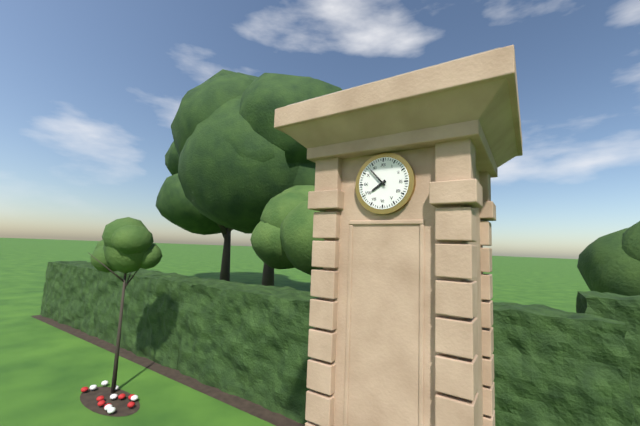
**7:53**
